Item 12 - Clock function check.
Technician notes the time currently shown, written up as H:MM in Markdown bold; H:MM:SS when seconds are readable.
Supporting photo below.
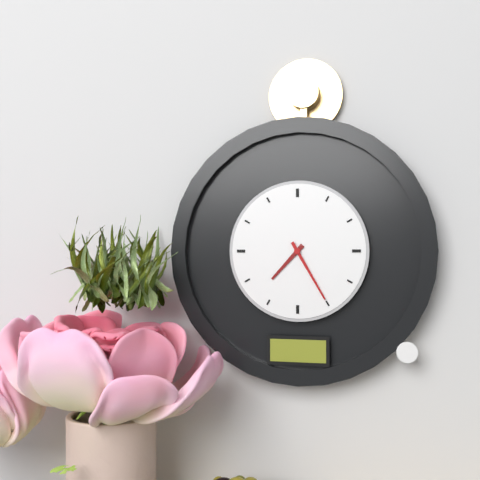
**7:25**
